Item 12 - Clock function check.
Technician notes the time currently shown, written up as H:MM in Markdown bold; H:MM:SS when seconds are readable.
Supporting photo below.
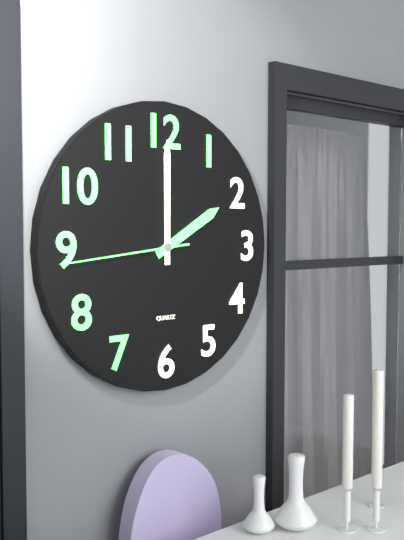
**2:00:44**
